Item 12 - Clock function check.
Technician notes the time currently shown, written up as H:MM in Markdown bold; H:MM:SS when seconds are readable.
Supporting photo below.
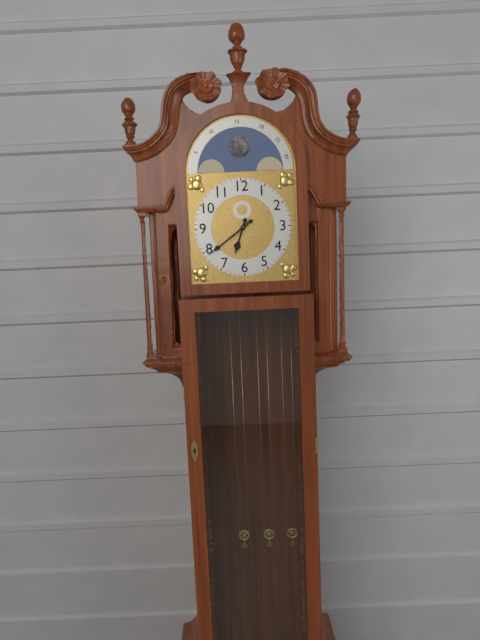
**6:39**
